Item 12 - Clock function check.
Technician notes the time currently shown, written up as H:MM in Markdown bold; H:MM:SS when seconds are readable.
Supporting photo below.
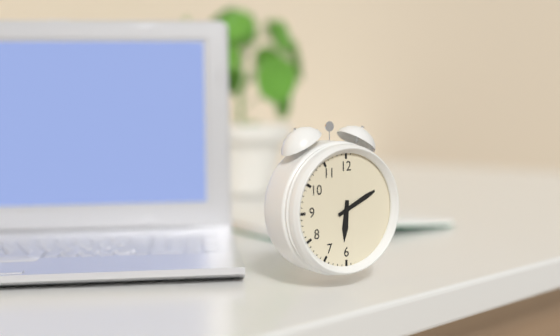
**6:11**
